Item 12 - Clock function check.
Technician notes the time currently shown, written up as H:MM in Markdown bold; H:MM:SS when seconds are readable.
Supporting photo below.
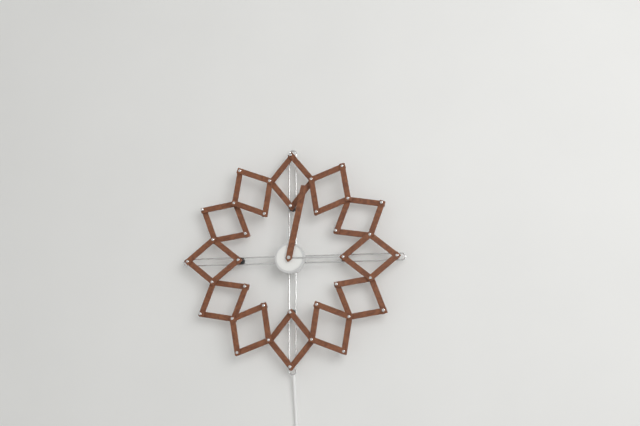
**3:02**
